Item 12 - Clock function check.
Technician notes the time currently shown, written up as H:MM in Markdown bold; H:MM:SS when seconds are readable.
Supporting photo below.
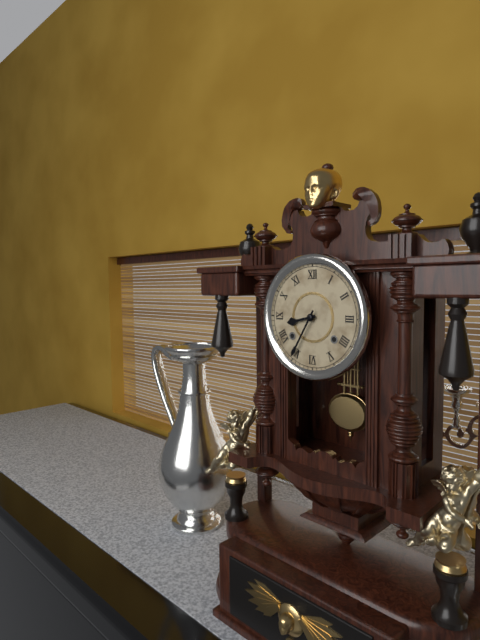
**8:35**
